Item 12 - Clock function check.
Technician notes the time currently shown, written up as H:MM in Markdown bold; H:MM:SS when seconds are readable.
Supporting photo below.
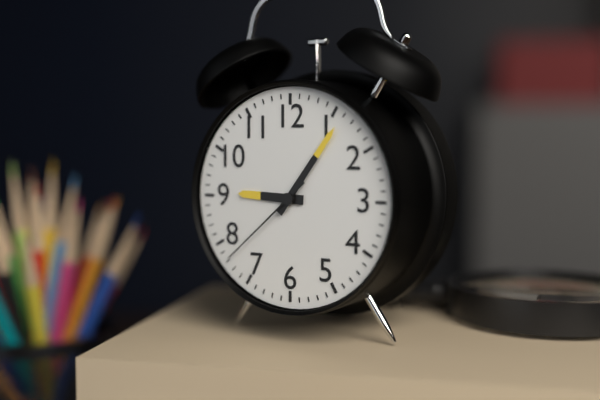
**9:06:38**
